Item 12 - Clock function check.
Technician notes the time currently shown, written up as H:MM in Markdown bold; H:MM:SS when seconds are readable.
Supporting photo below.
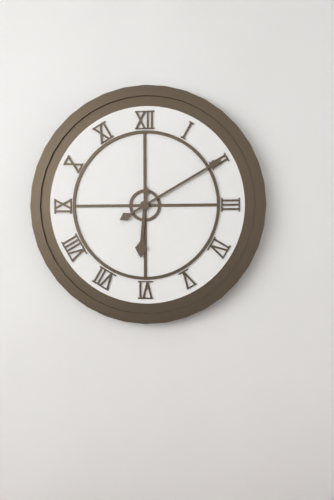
**6:10**
